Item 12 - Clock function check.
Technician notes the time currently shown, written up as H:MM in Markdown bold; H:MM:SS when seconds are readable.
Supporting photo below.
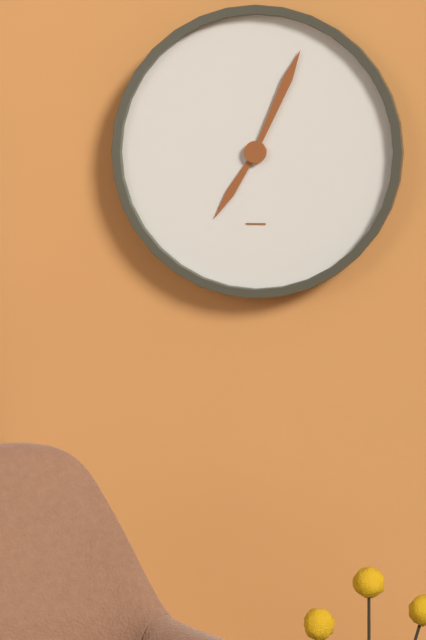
**7:04**
